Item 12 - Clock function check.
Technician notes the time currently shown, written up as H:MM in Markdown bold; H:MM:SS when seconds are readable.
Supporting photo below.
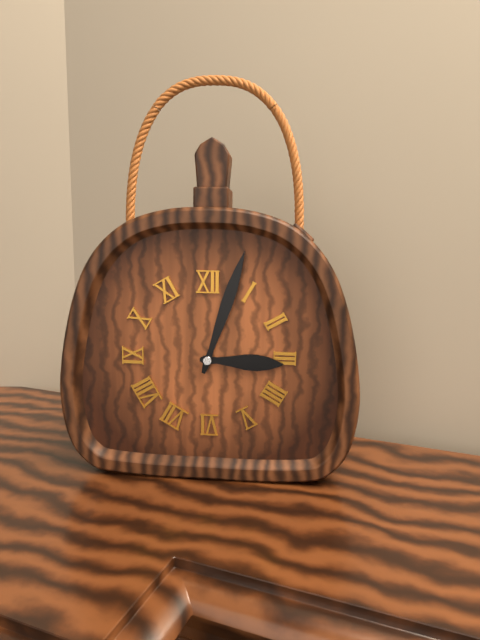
**3:03**
